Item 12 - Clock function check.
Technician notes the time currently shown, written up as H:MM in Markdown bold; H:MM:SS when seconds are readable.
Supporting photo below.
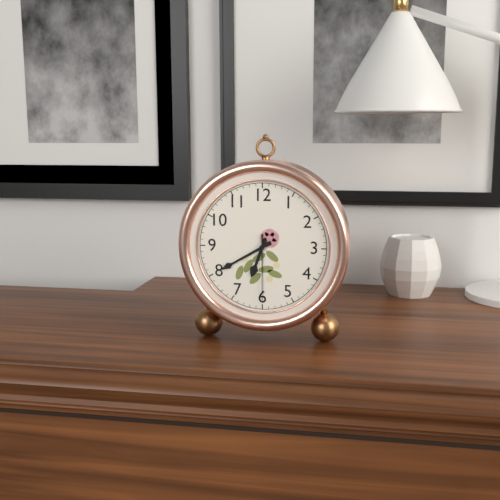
**6:40:30**
